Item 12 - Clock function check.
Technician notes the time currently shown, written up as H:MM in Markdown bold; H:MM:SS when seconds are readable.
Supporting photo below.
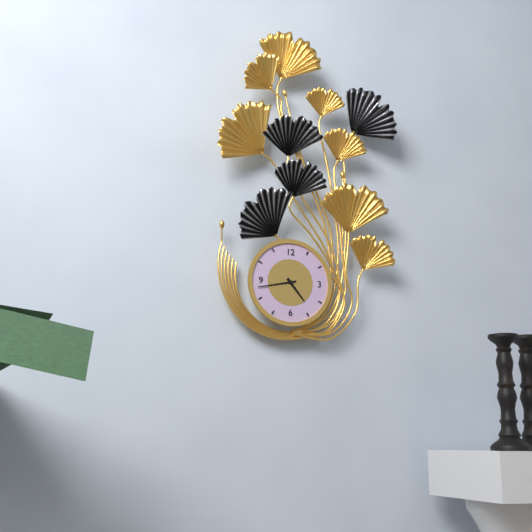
**4:43**
